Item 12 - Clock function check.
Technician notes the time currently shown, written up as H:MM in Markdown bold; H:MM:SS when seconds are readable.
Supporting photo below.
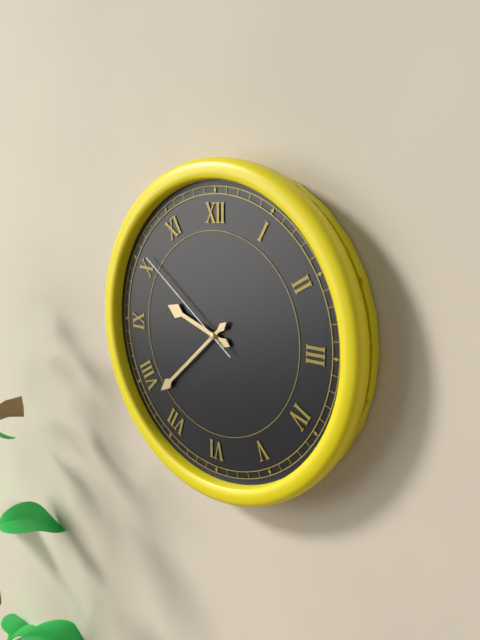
**9:38:51**
